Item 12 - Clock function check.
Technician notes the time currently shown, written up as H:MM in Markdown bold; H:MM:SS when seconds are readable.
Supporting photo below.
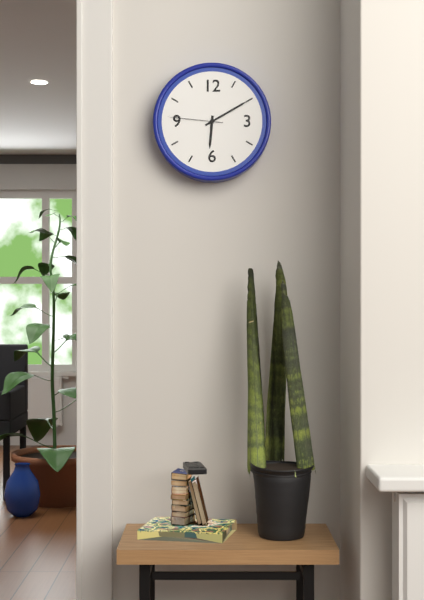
**6:10:46**
